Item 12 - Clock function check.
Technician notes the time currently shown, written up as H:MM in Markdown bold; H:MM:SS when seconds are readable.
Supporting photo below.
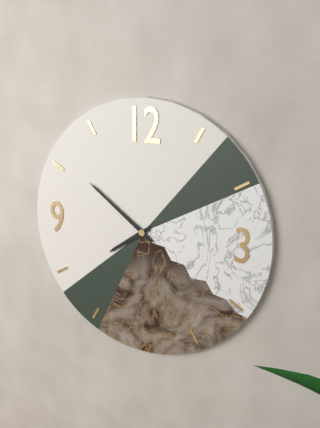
**7:51**
